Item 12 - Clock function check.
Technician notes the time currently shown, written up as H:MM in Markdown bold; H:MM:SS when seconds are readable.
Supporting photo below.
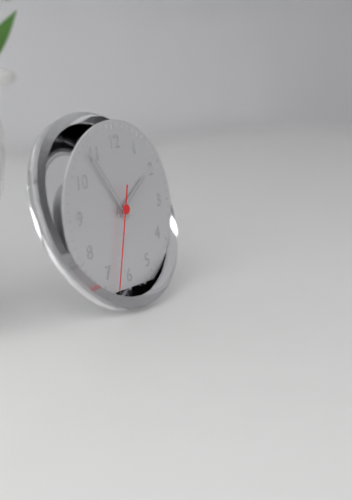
**1:54:33**
